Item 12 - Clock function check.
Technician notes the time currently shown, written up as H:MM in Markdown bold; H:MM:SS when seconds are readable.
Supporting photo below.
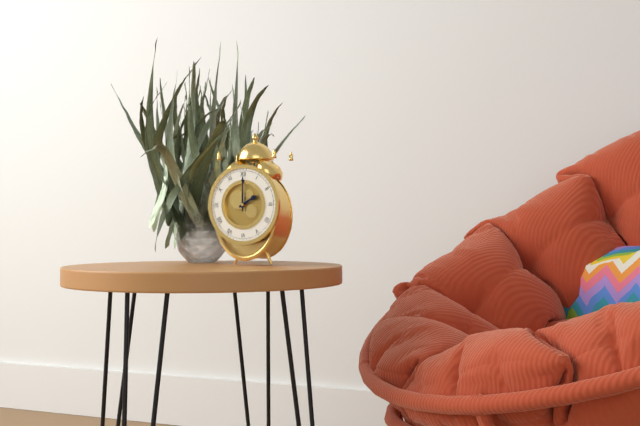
**2:00**
